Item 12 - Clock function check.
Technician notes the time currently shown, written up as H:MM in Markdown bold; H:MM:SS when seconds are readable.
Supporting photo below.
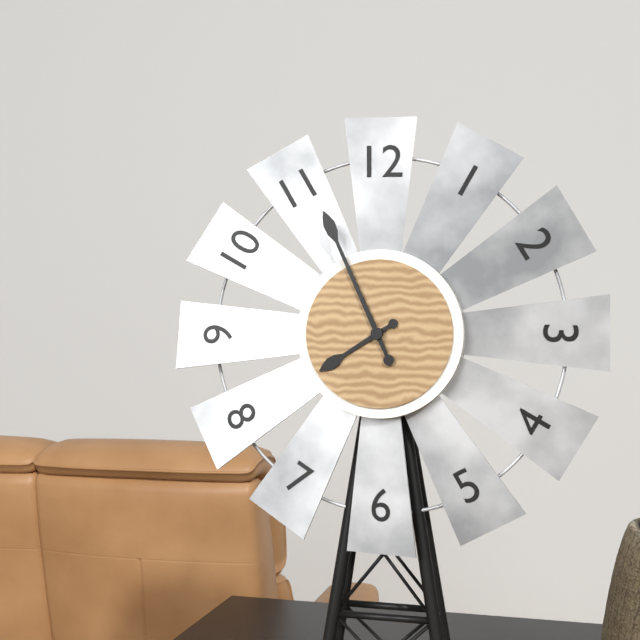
**7:56**
